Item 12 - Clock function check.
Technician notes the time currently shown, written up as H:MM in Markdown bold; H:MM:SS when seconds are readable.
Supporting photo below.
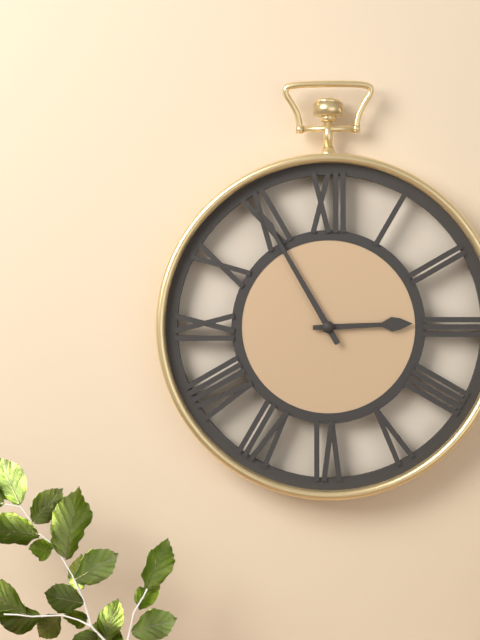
**2:55**
